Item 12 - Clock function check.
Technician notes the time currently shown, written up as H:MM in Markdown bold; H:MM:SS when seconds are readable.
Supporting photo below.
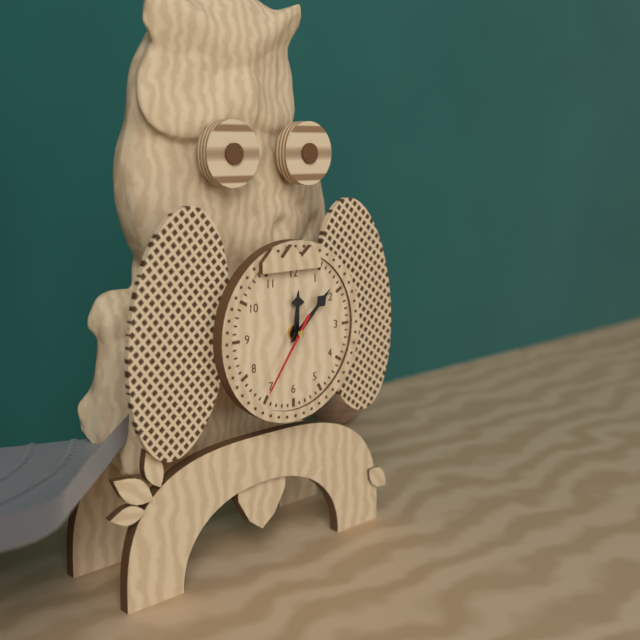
**12:08:36**
